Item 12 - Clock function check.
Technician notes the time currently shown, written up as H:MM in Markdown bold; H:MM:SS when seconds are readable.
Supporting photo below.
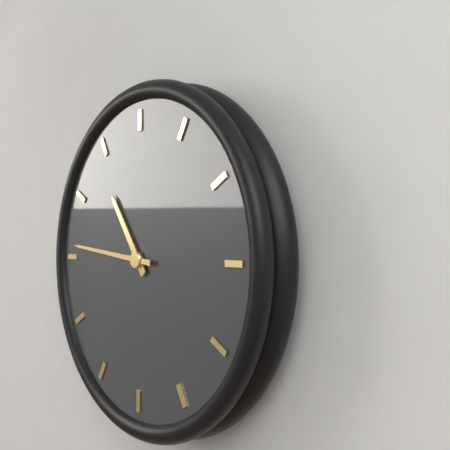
**10:46**
